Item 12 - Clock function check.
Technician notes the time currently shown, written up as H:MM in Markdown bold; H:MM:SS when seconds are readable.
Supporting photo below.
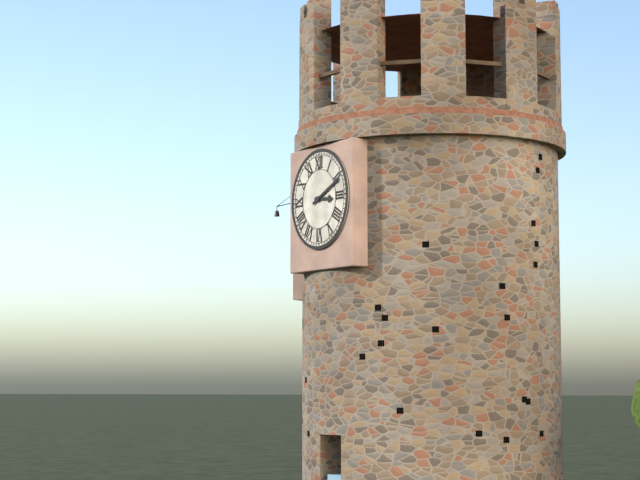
**3:11**
